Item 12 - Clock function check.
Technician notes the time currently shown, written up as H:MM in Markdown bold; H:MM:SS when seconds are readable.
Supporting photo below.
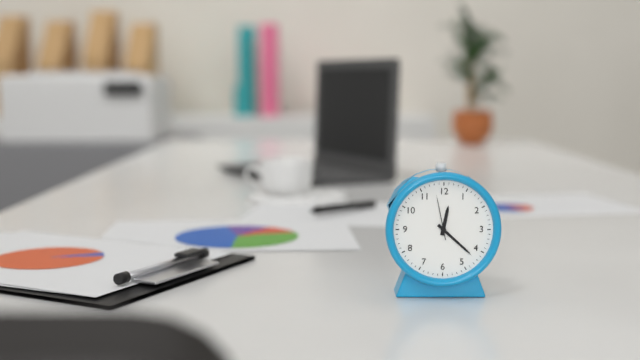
**12:22**
